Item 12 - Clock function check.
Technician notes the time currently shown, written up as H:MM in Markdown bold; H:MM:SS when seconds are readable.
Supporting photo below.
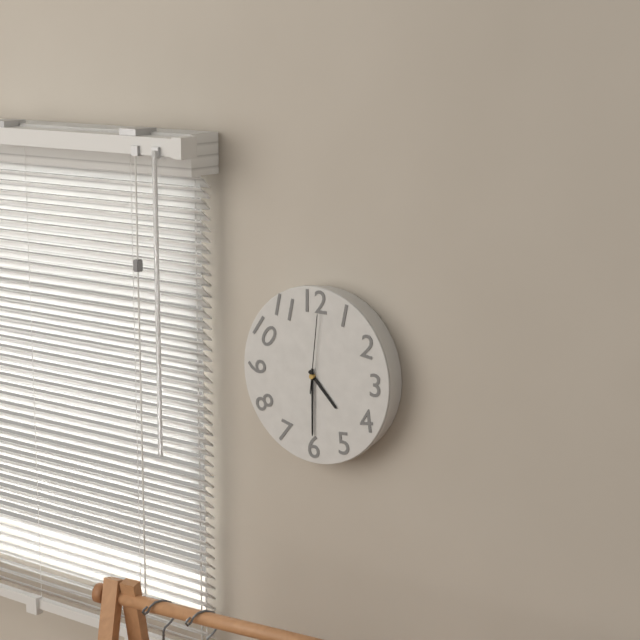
**4:30:01**
